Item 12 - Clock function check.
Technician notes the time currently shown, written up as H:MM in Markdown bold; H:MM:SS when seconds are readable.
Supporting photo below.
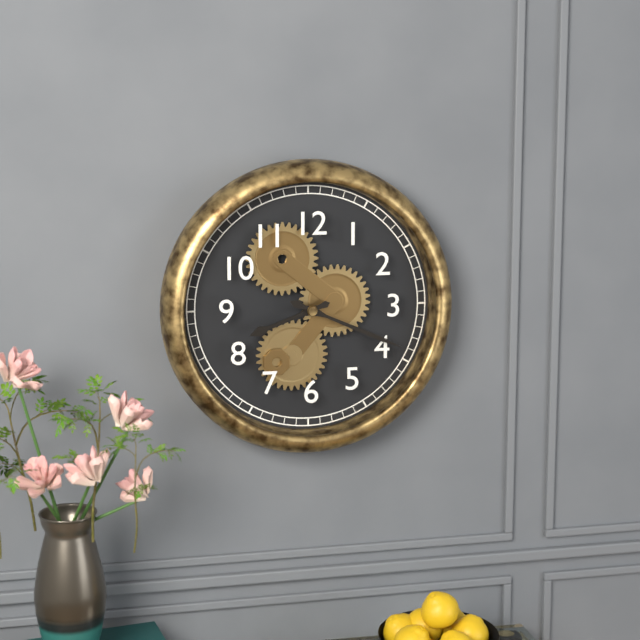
**8:19**
